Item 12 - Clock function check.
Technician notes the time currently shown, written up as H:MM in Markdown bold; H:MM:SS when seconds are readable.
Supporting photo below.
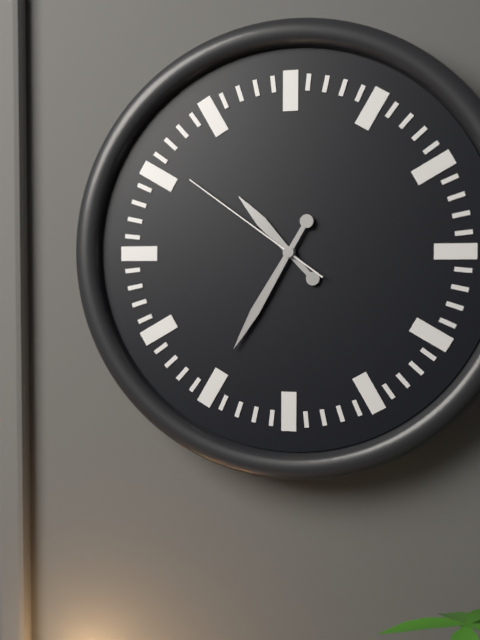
**10:35:51**
